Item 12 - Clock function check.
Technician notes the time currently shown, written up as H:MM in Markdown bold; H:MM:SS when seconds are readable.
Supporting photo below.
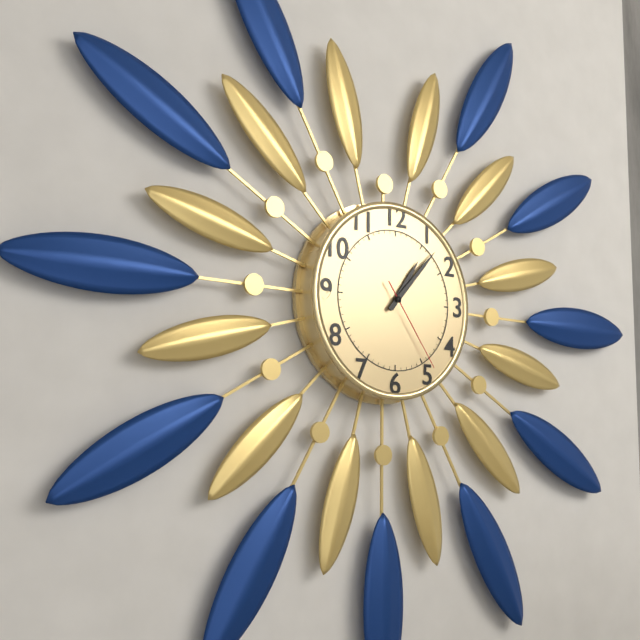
**1:07:24**
